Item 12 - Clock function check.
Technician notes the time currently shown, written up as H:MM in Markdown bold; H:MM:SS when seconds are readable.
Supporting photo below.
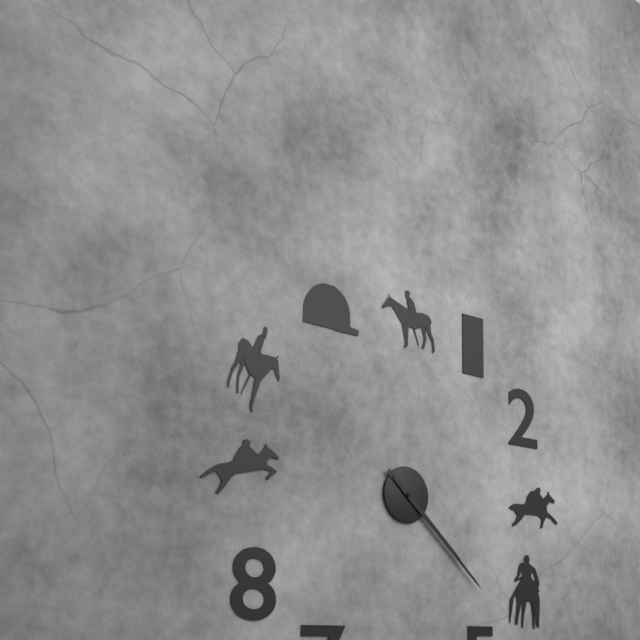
**4:22**
